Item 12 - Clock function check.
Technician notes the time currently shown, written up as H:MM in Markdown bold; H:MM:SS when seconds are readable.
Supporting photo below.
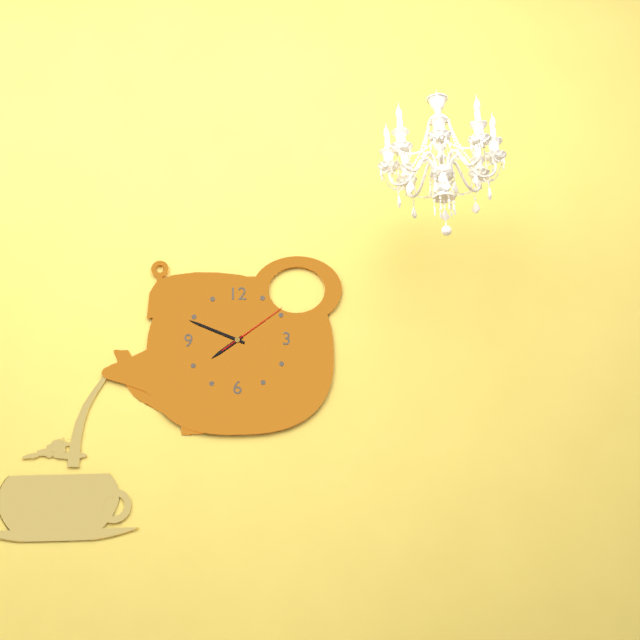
**7:49:09**
